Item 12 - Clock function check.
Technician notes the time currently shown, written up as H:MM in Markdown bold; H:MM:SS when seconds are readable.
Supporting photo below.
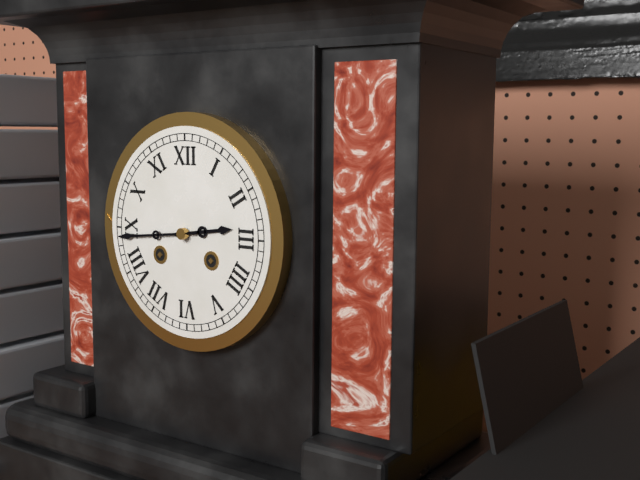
**2:44**
